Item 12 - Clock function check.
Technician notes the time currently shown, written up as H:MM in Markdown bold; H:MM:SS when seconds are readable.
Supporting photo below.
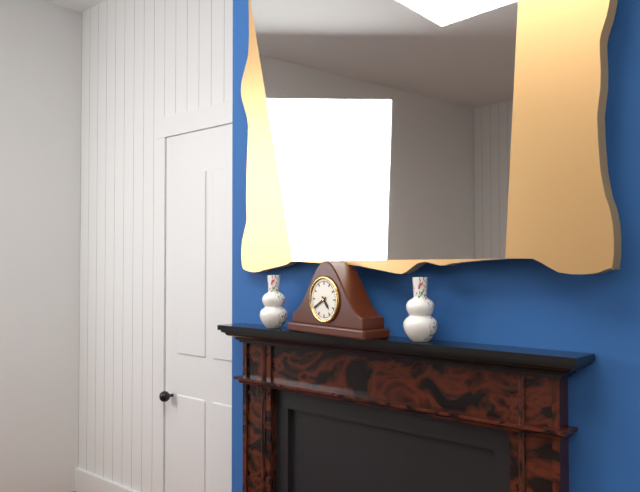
**4:40**
